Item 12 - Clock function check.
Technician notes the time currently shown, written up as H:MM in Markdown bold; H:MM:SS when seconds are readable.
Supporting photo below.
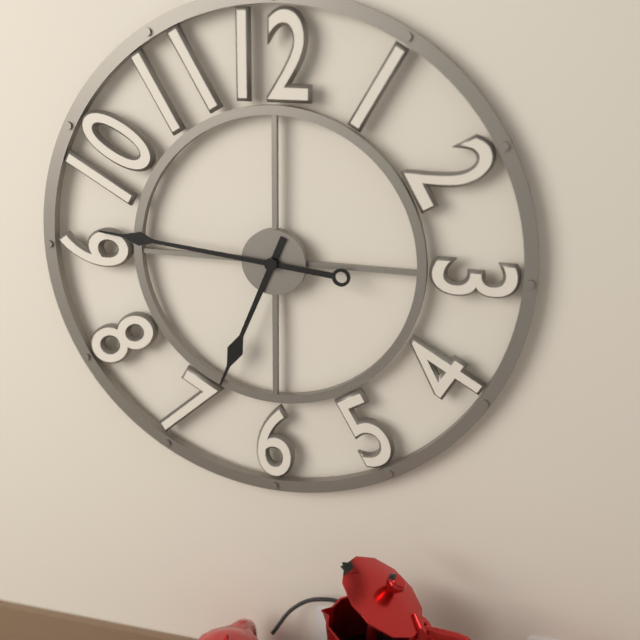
**6:46**
